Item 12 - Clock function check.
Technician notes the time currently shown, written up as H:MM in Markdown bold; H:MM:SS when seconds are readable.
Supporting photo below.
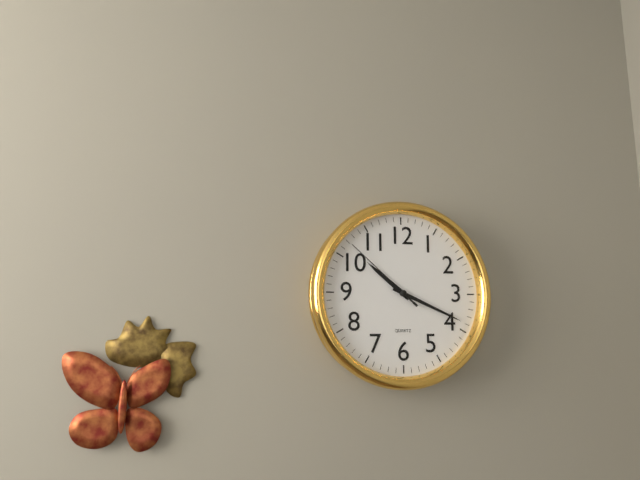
**10:19:52**
